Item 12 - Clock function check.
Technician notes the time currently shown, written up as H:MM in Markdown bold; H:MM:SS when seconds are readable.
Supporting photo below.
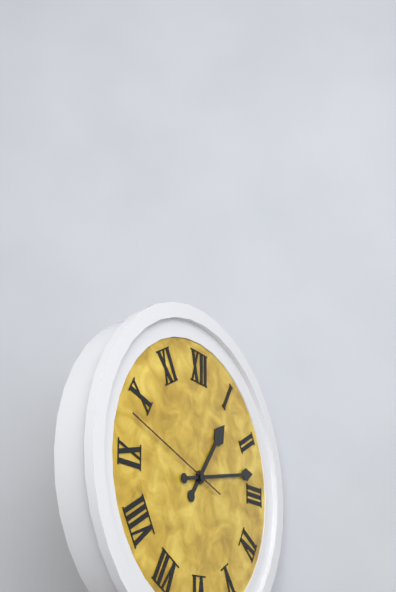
**1:13:48**
